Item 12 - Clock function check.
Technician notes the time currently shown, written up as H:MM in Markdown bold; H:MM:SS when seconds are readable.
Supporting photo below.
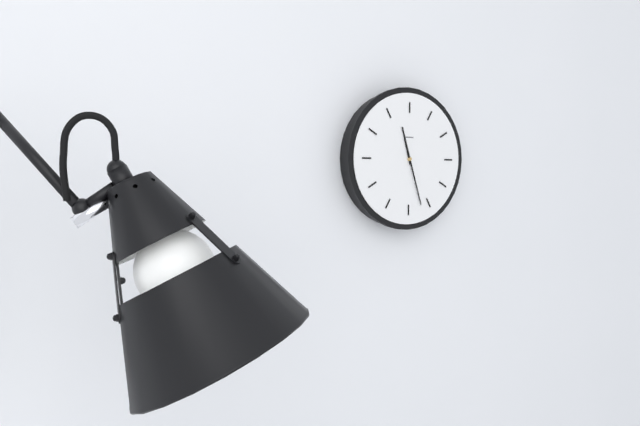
**11:27**
